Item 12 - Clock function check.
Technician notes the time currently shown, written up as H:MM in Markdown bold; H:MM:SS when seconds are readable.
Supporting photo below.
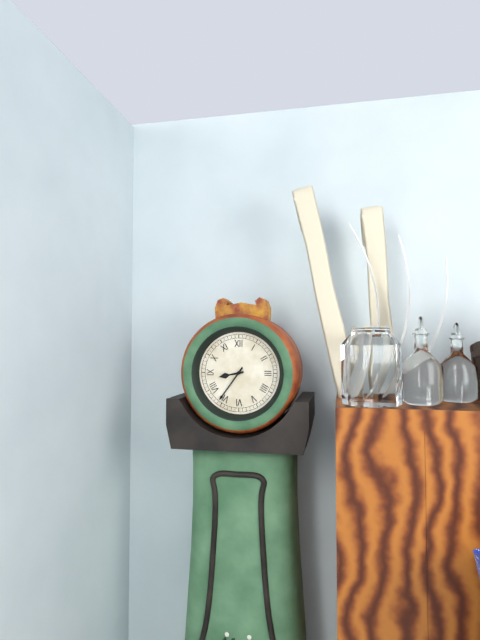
**8:36**
